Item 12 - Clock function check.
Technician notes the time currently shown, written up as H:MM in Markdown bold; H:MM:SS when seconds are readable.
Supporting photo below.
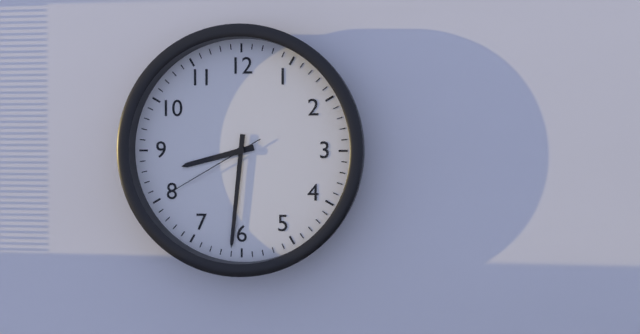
**8:31:40**
